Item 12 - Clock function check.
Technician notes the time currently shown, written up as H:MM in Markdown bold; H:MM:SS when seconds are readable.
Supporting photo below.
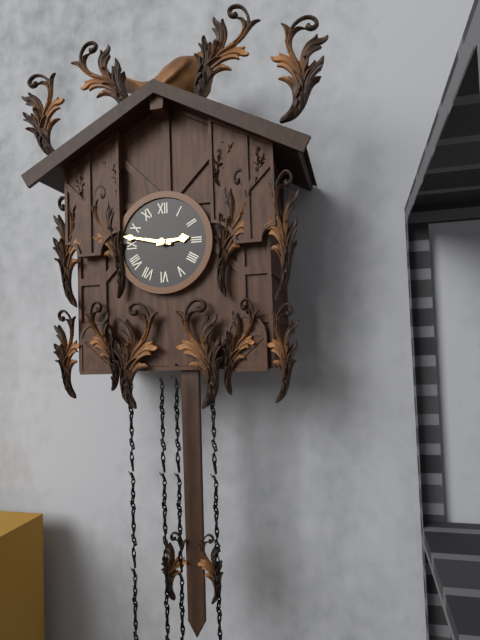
**2:47**
